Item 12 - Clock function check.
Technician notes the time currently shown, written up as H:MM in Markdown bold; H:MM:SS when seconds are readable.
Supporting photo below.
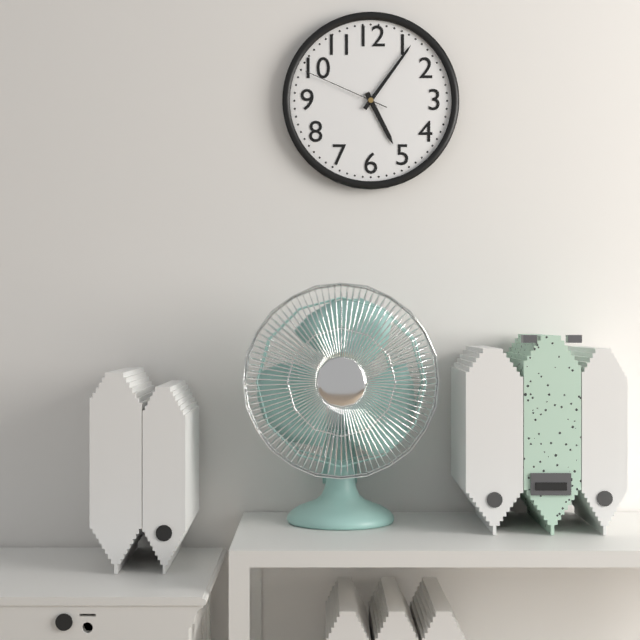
**5:06:49**
